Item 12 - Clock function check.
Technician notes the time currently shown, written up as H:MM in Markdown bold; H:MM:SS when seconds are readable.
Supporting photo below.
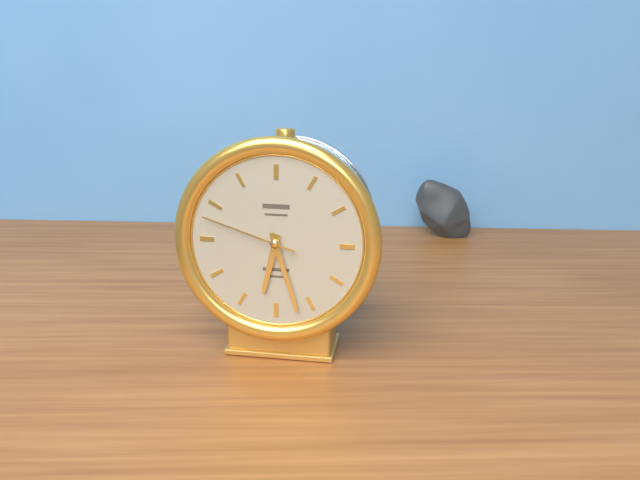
**6:27:48**
